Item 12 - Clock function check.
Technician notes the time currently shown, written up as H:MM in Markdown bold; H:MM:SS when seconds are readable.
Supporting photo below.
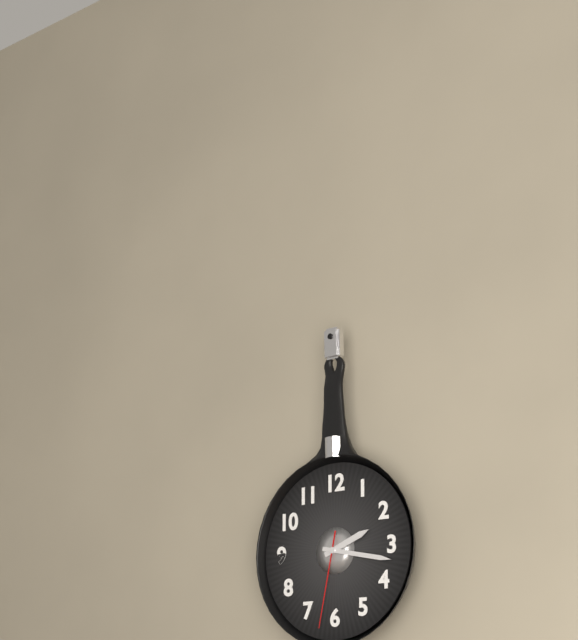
**2:17:32**
